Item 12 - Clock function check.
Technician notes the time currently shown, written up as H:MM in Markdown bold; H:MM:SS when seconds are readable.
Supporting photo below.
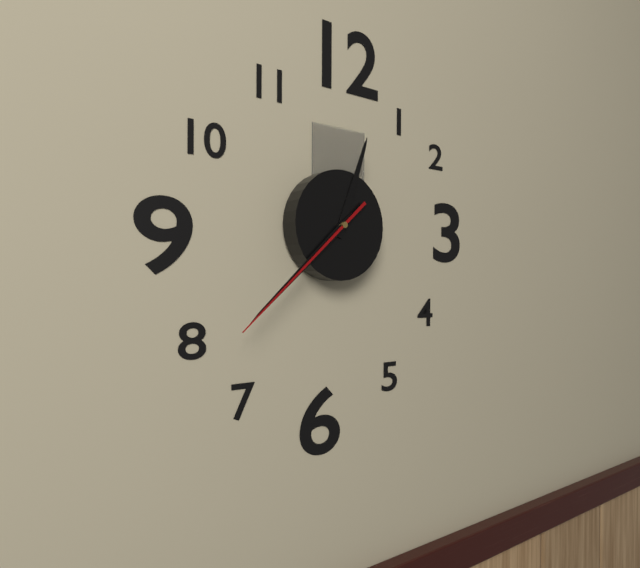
**12:38:38**
